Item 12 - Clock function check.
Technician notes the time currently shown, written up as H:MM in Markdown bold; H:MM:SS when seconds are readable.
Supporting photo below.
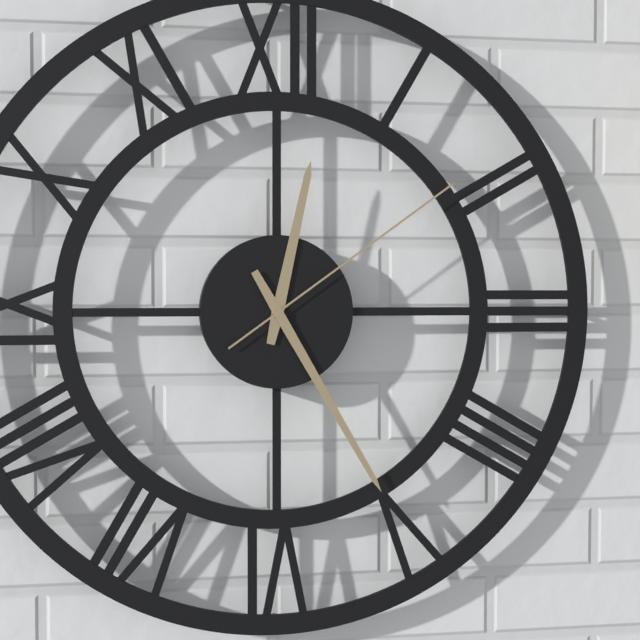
**12:25:09**
